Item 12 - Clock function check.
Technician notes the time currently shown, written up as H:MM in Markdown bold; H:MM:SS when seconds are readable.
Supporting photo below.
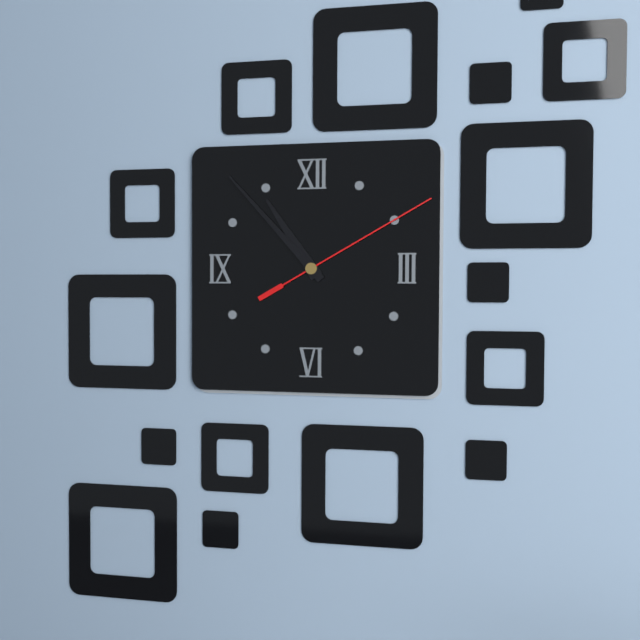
**10:53:10**
